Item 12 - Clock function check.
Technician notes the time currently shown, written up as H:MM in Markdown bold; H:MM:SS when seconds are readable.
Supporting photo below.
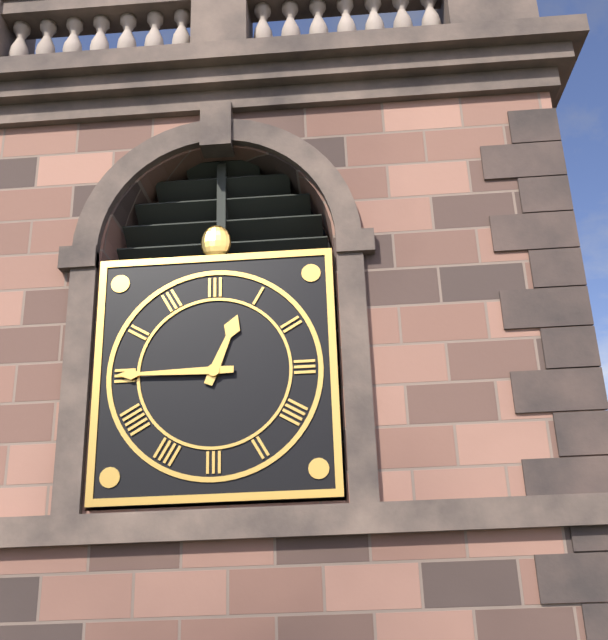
**12:45**
